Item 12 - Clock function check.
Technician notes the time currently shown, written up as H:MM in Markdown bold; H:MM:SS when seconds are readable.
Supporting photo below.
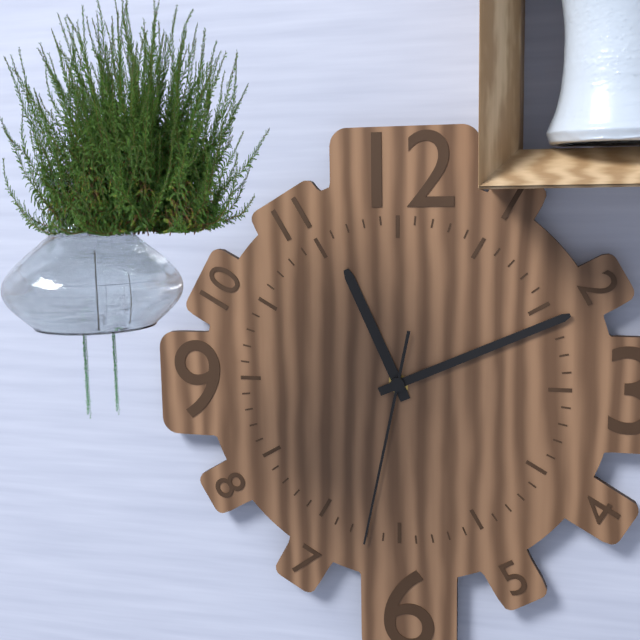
**11:11:32**
